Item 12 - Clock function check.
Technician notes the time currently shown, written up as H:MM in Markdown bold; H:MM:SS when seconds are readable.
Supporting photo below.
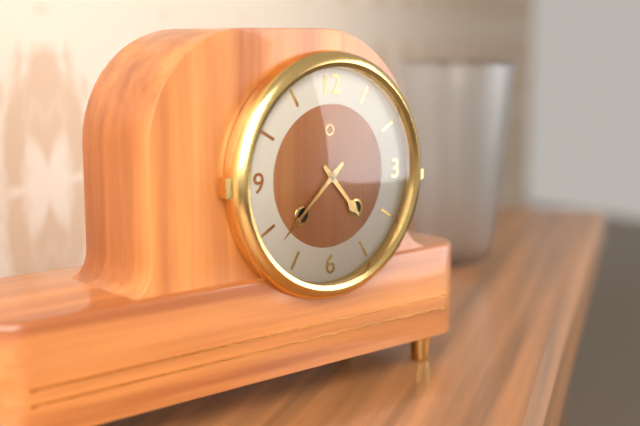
**4:38**
